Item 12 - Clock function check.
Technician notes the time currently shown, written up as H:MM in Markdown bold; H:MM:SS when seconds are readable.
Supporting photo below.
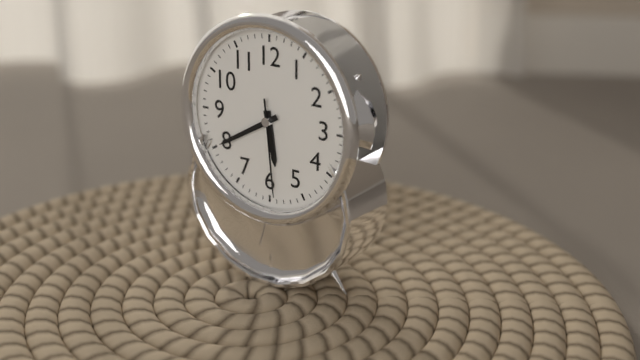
**5:40:29**
